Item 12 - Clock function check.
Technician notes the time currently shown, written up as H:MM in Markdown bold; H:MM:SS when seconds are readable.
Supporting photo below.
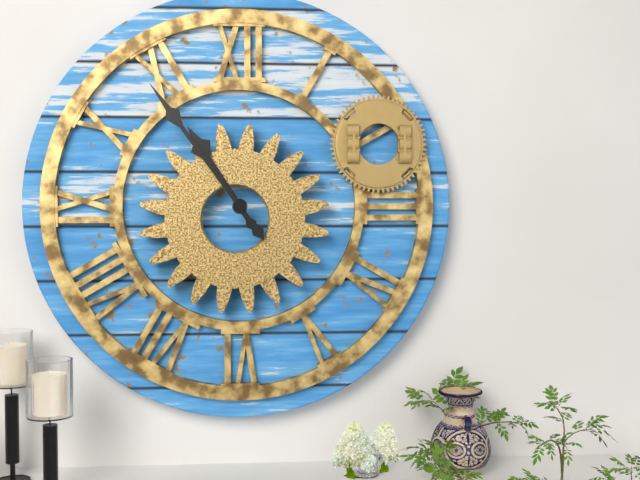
**10:54**
